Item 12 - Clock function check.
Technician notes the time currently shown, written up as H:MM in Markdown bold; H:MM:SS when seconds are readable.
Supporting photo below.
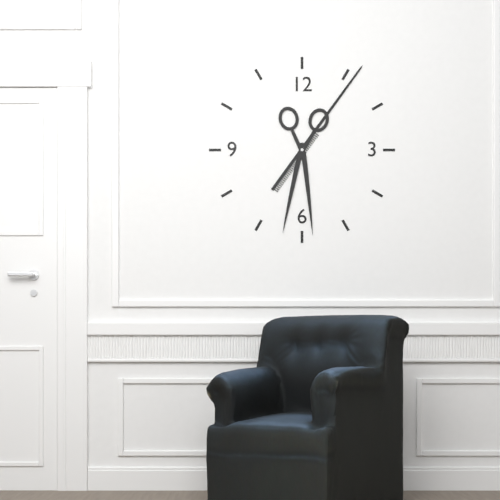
**6:06**
